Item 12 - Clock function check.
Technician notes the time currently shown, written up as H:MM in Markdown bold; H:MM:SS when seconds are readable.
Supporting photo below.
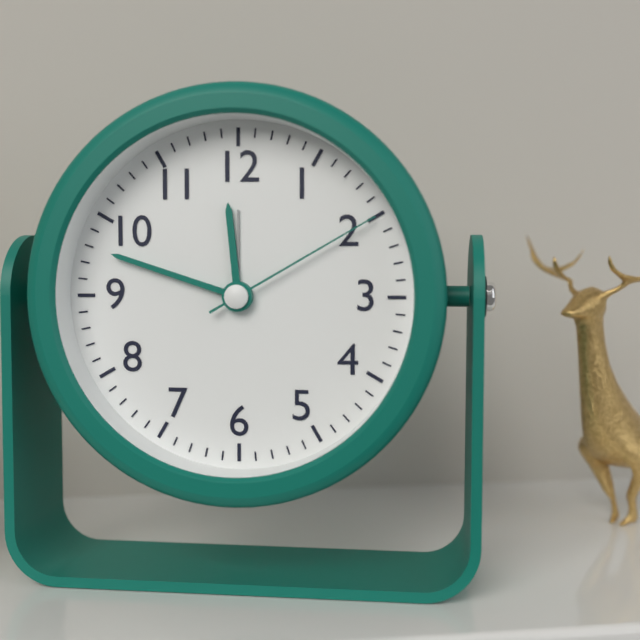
**11:48:10**
